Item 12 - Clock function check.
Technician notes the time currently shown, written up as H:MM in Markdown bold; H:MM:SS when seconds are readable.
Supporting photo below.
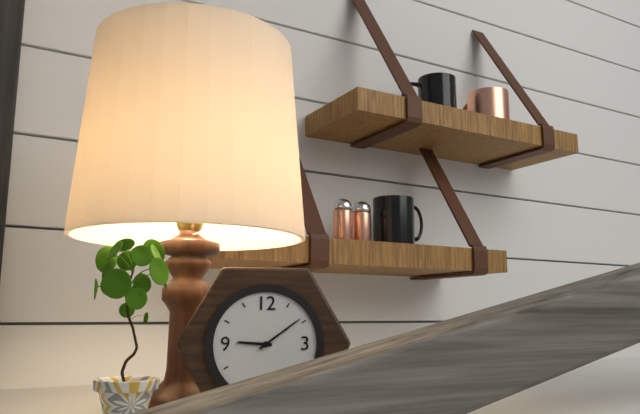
**9:09**
